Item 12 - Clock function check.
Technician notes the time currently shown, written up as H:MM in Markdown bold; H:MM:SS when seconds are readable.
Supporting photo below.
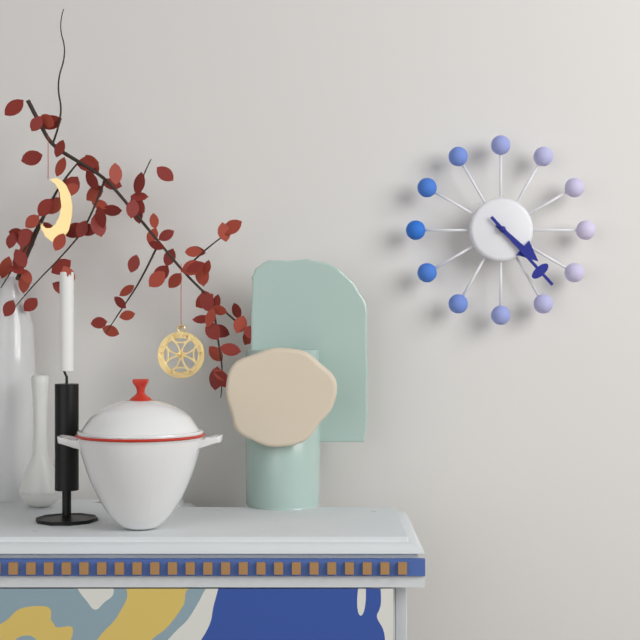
**4:23**
